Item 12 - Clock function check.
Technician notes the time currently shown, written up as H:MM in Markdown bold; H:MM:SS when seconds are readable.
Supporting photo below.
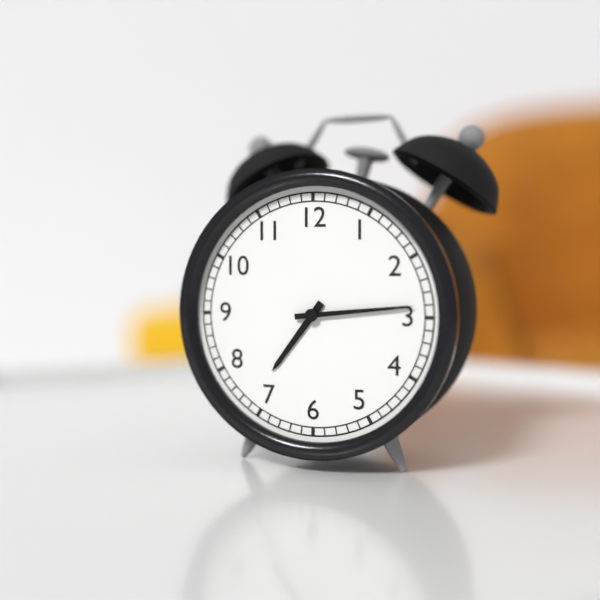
**7:14**
